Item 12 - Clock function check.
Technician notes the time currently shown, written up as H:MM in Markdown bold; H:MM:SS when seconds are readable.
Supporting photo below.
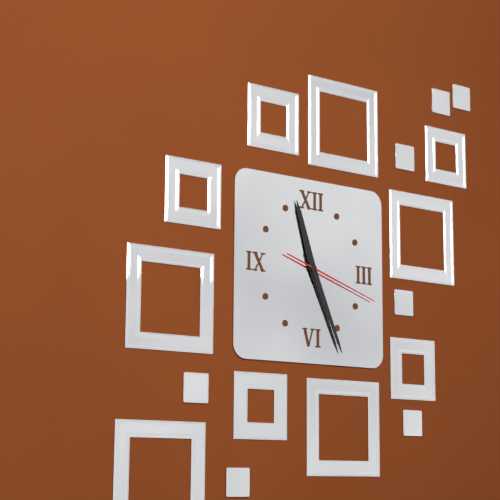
**11:26:18**
